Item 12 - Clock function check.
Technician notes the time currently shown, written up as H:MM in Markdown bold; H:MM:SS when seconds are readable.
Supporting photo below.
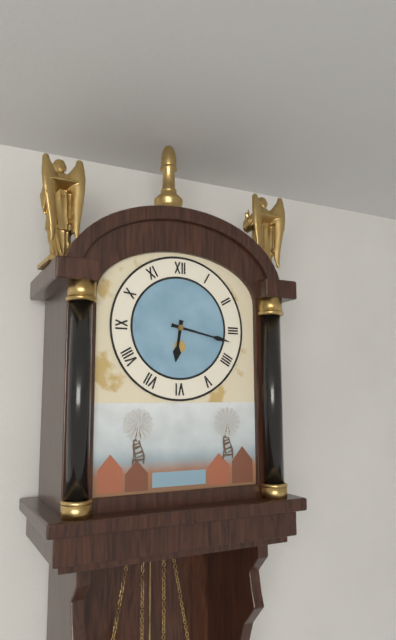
**6:17**
